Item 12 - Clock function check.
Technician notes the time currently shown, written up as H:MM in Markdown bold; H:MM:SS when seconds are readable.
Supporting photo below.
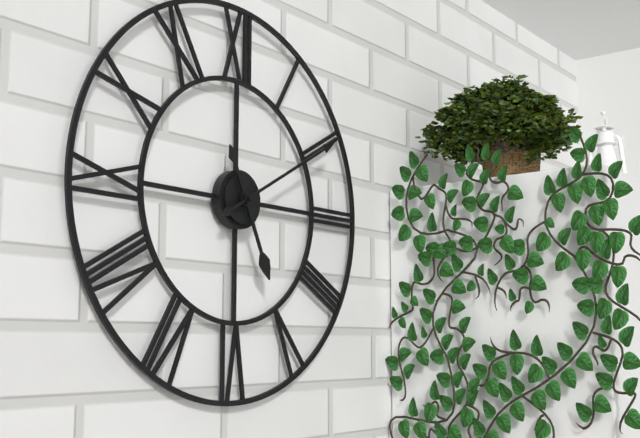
**5:10**
